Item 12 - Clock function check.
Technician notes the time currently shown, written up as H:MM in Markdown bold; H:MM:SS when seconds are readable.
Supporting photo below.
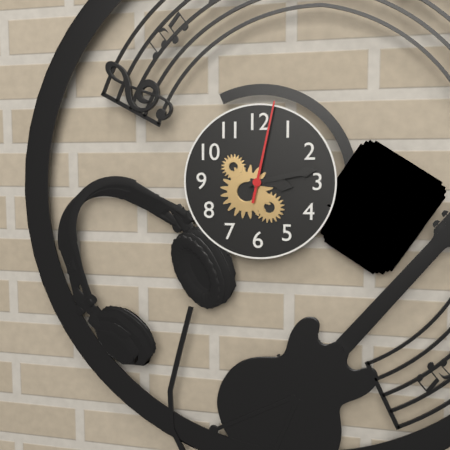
**3:13:02**
